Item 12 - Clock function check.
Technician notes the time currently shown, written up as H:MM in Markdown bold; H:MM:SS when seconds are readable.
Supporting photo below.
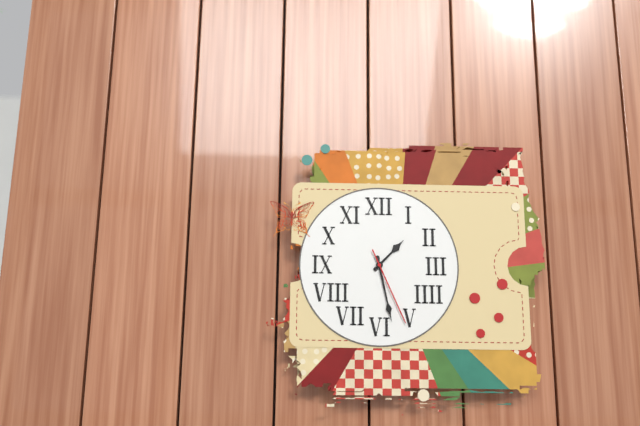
**1:28:26**
